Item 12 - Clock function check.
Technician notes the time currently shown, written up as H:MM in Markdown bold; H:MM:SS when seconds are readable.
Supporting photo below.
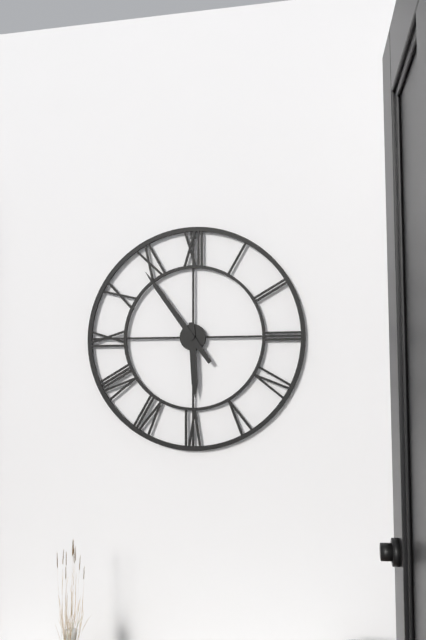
**5:54**
